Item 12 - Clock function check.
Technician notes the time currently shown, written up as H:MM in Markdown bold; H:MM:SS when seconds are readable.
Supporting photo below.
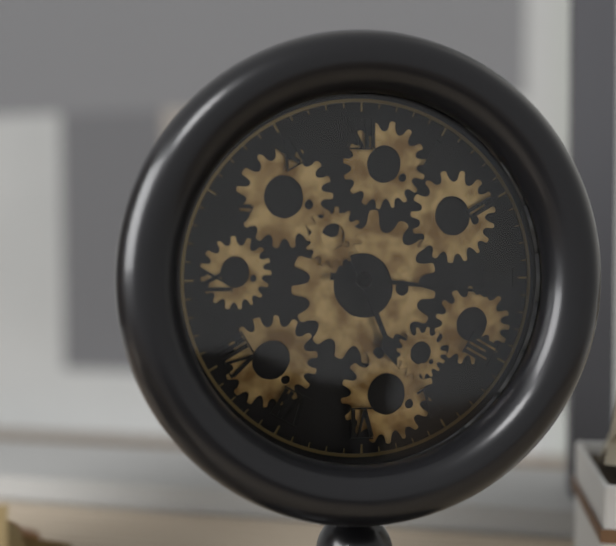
**5:16**
